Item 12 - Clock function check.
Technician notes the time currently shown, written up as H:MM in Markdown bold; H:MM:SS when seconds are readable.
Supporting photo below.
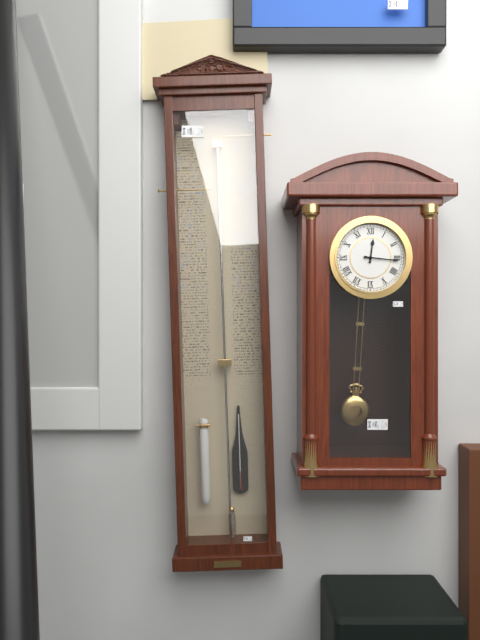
**12:16**
